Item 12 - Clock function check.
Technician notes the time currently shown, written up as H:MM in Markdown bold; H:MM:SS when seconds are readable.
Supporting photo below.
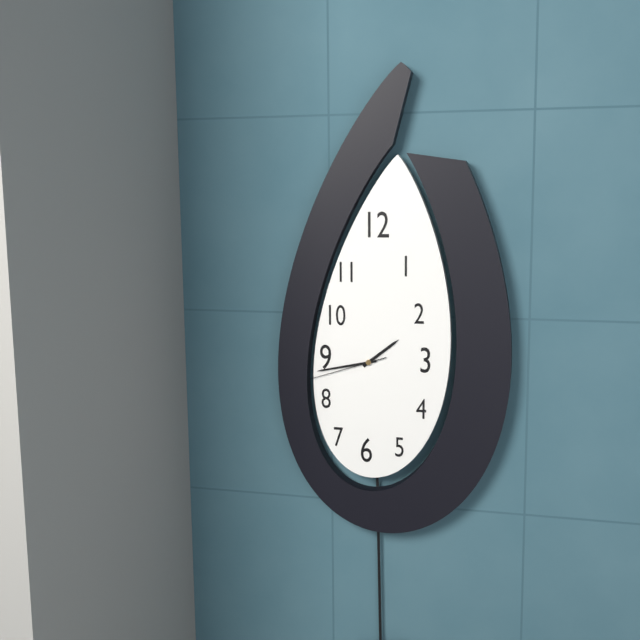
**1:43:42**
